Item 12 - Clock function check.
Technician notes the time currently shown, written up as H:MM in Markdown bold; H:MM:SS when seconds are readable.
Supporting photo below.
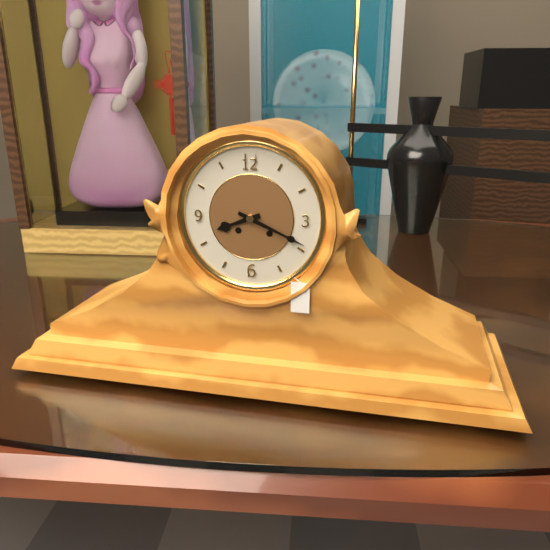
**8:19**
